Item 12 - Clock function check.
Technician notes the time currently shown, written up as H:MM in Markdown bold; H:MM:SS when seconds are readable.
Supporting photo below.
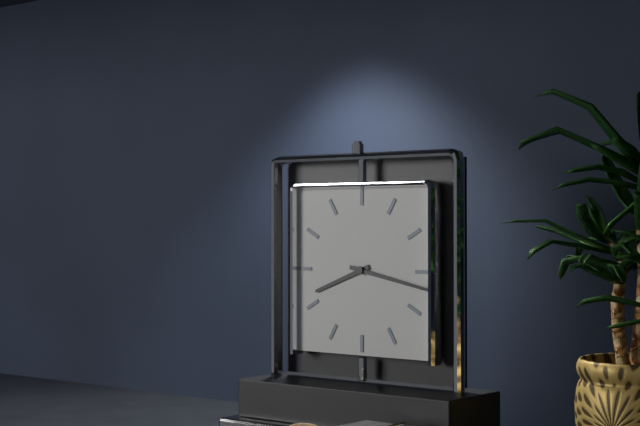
**8:17**
